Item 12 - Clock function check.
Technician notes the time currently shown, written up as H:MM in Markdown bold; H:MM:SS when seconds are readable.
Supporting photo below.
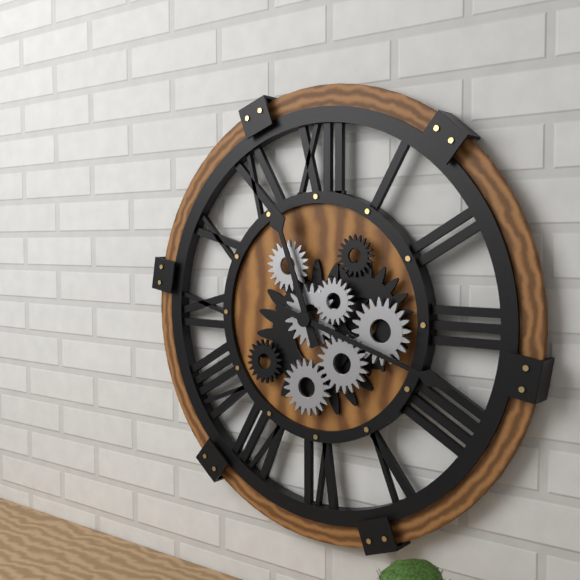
**11:18**
